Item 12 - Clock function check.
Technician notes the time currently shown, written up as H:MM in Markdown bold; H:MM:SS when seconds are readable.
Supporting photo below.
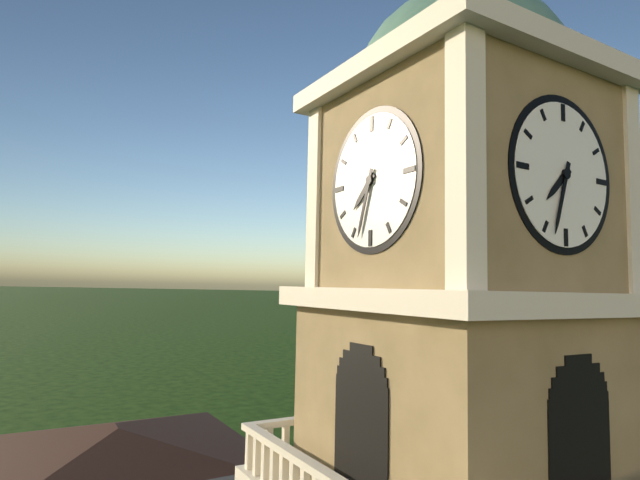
**7:33**
